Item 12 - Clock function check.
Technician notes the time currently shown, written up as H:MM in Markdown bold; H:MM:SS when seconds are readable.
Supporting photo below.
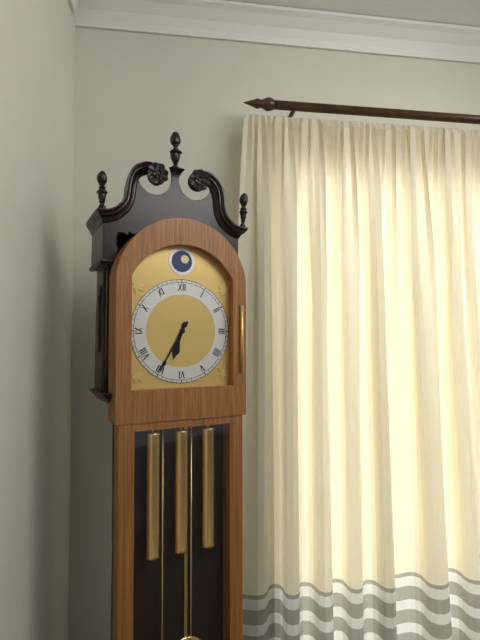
**6:35**
